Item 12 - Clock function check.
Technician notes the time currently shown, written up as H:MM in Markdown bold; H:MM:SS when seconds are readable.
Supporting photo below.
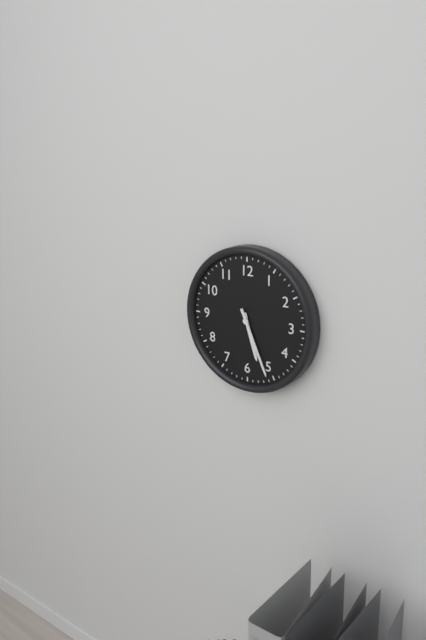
**5:26**
